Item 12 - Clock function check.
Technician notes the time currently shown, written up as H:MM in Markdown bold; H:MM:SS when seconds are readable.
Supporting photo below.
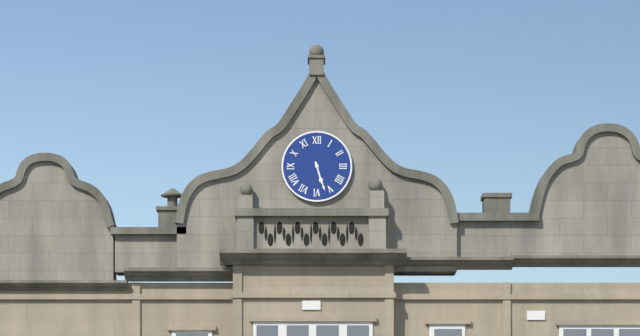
**5:27**
